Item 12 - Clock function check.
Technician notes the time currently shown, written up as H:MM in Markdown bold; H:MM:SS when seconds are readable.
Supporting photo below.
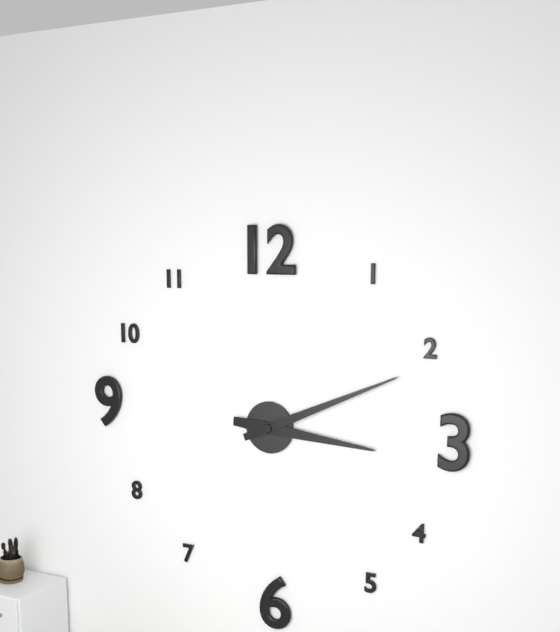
**3:11**
